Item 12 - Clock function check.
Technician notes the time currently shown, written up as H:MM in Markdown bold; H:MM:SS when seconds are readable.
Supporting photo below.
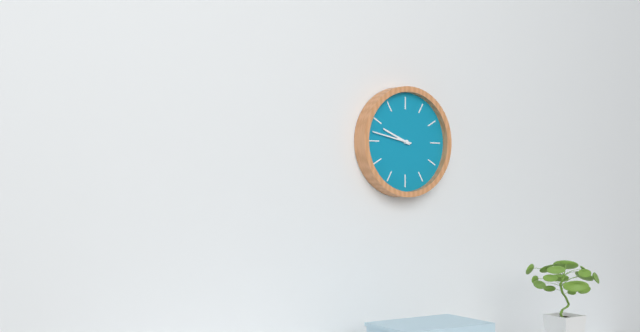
**9:47**
